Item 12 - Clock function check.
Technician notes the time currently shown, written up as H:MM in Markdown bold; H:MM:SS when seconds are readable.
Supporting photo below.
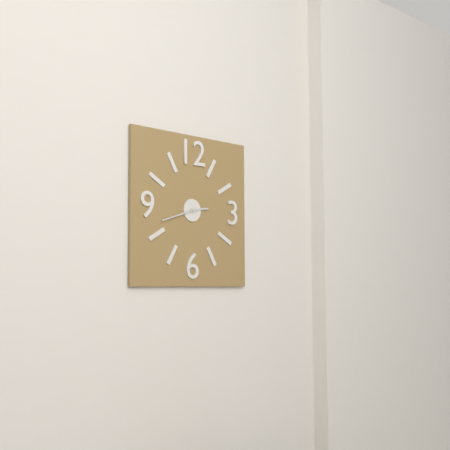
**2:42**
